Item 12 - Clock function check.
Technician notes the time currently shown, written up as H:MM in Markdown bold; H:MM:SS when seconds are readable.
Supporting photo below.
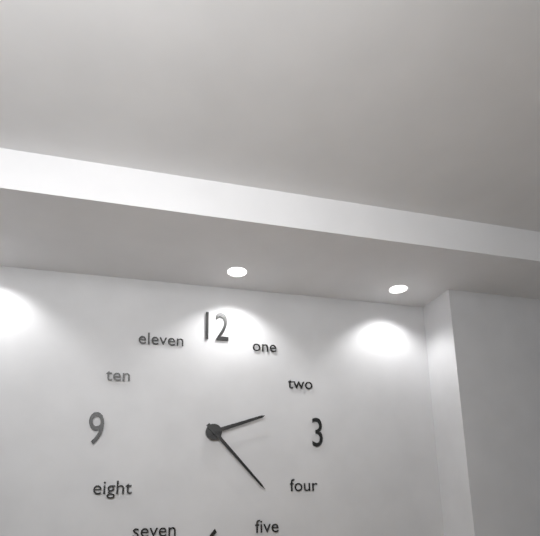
**2:23**
